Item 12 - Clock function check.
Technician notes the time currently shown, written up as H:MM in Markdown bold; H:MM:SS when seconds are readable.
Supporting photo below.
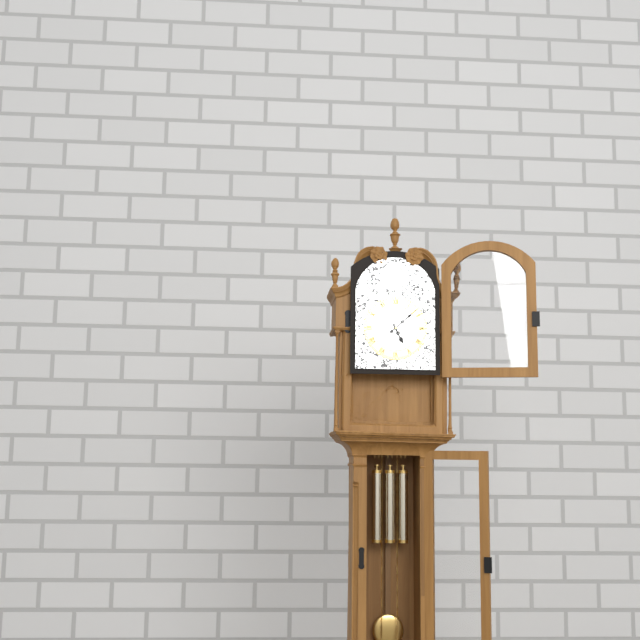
**5:08**
